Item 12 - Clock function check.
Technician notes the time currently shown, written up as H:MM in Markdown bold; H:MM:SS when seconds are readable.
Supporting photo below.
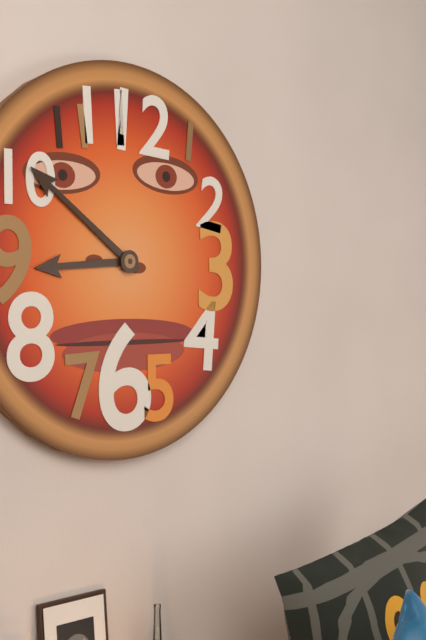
**8:51**
